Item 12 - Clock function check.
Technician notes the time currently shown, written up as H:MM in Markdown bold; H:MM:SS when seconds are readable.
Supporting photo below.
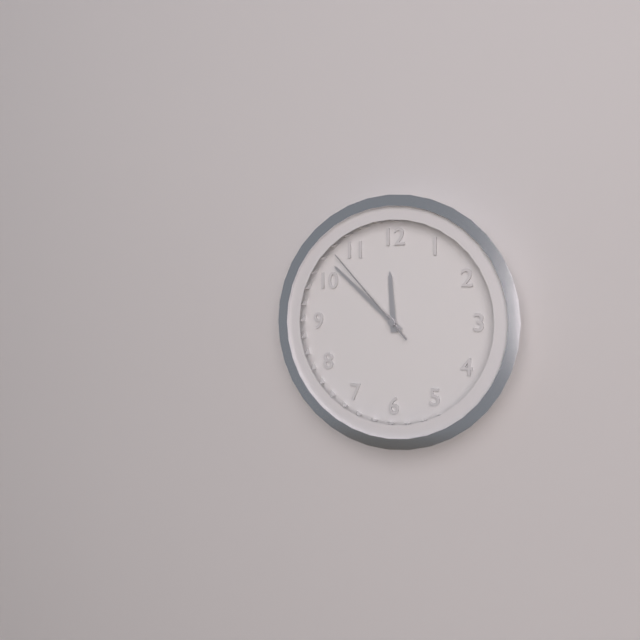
**11:52:53**
